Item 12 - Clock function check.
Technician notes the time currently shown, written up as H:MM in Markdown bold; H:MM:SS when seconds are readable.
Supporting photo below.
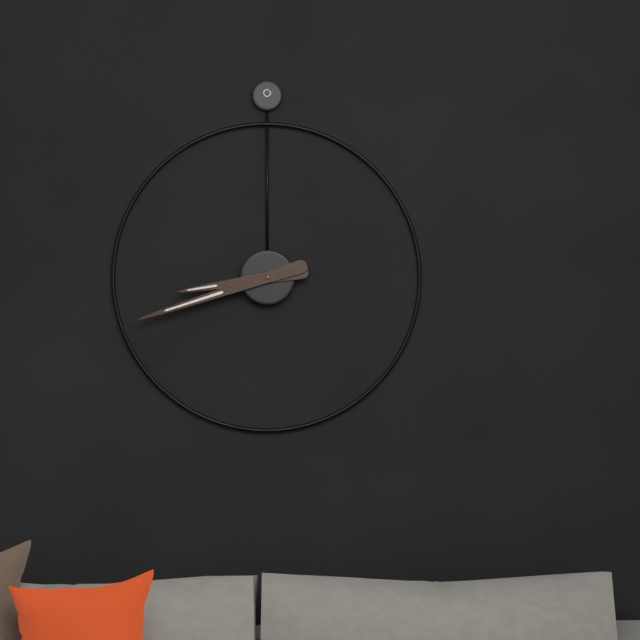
**8:42**
